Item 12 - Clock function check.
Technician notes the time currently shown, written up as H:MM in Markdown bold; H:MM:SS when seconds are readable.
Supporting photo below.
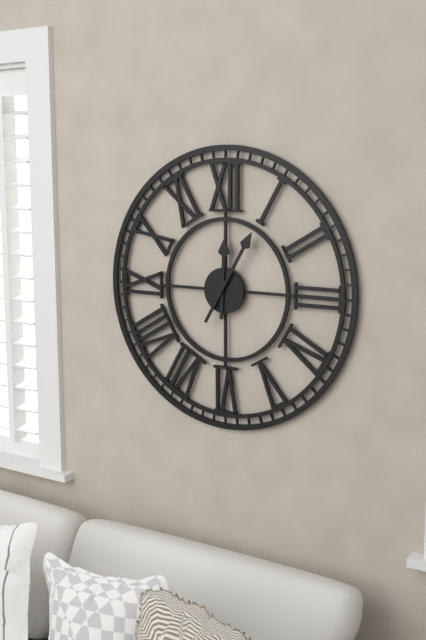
**12:05**
